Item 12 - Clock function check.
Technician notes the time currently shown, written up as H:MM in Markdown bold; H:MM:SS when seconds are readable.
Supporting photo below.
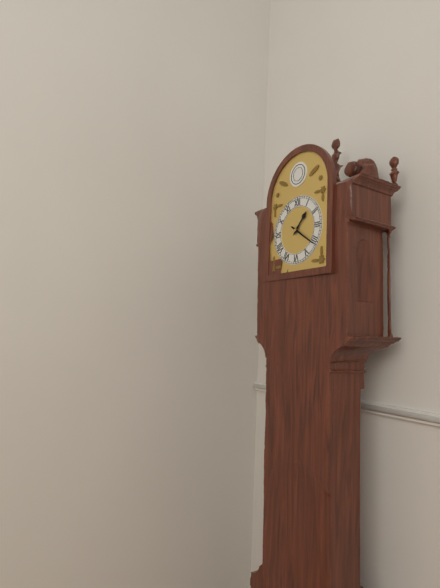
**1:21**
